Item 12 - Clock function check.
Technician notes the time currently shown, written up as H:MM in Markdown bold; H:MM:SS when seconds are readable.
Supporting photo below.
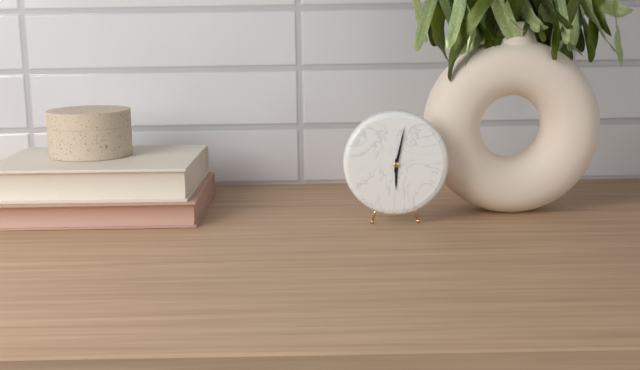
**6:02**
